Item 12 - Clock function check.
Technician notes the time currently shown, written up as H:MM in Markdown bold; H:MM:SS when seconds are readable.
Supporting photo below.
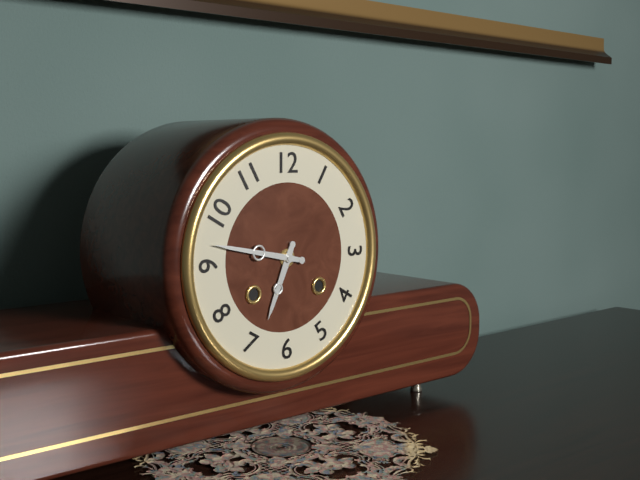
**6:47**
